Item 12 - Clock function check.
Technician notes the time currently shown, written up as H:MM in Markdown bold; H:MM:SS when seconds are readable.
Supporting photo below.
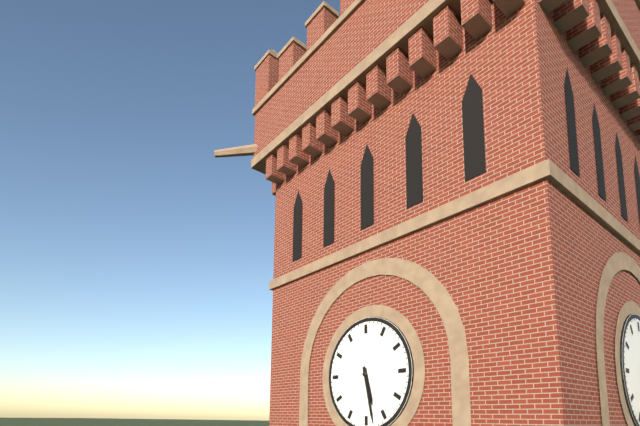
**5:28**
